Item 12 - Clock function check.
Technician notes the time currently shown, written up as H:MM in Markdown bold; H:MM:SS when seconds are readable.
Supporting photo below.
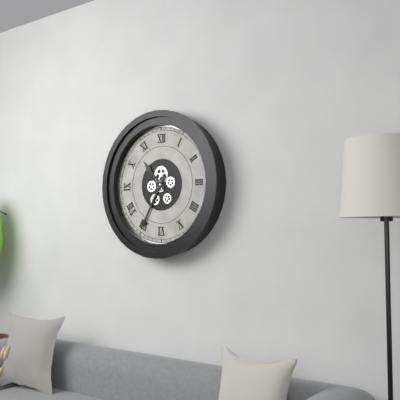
**10:35**
